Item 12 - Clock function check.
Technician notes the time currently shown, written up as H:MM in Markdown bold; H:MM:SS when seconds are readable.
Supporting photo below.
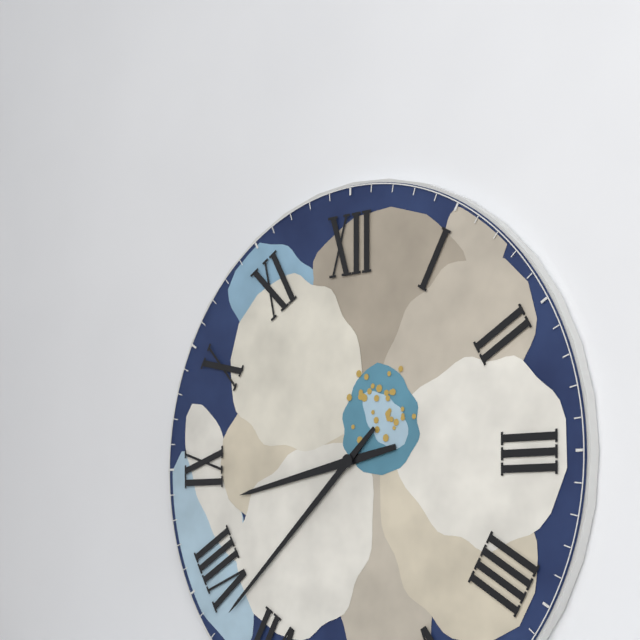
**8:38**
